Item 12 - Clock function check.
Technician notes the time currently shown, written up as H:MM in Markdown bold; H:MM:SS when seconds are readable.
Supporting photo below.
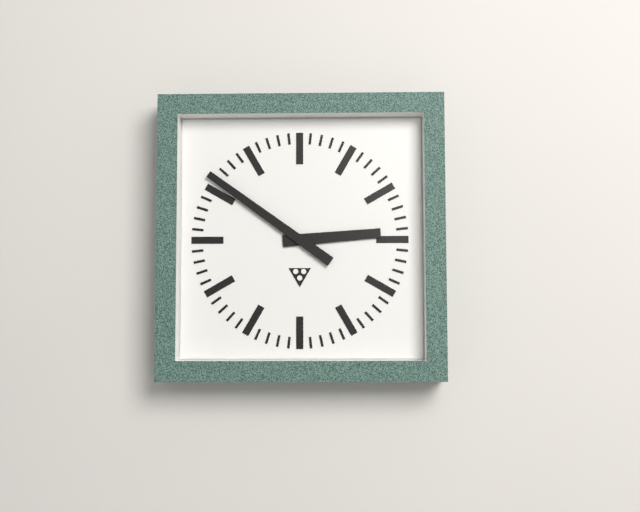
**2:51**
